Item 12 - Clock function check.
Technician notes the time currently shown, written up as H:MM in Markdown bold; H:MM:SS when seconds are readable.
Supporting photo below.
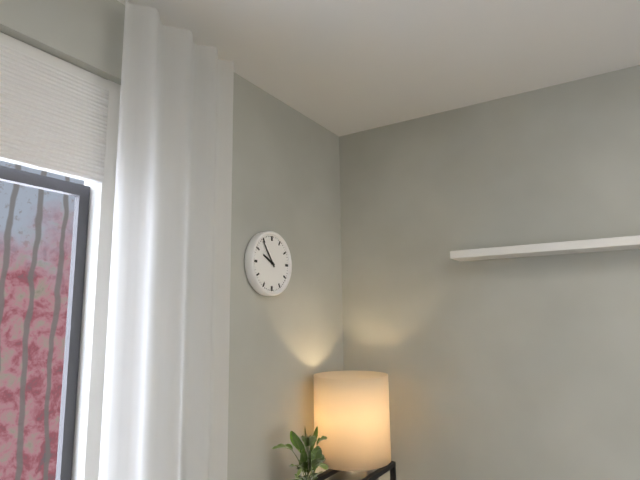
**9:54**
